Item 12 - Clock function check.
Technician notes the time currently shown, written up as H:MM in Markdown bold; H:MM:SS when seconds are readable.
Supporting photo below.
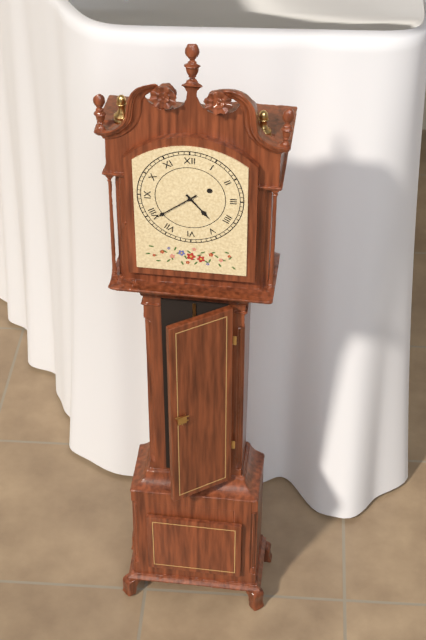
**4:39**
